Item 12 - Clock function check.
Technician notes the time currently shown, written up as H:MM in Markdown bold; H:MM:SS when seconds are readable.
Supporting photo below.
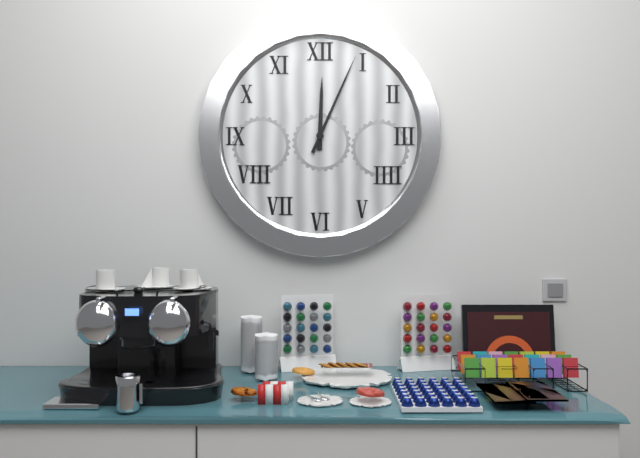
**12:04**
